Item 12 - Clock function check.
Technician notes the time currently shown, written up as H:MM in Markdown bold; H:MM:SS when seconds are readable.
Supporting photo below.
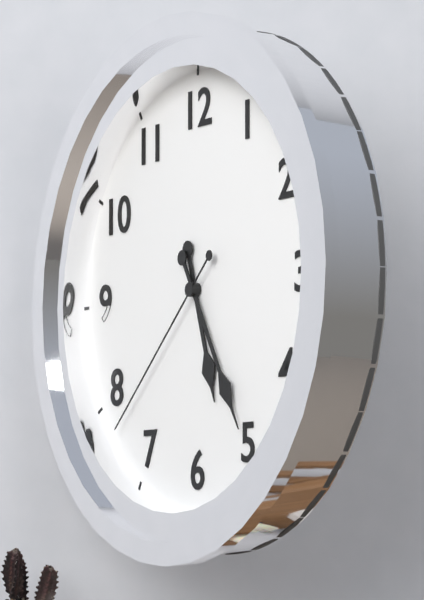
**5:25:38**
